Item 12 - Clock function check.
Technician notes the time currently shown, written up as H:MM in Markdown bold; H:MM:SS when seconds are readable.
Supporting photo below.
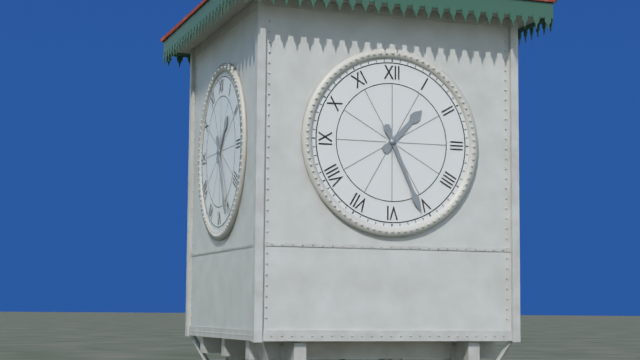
**1:26**
